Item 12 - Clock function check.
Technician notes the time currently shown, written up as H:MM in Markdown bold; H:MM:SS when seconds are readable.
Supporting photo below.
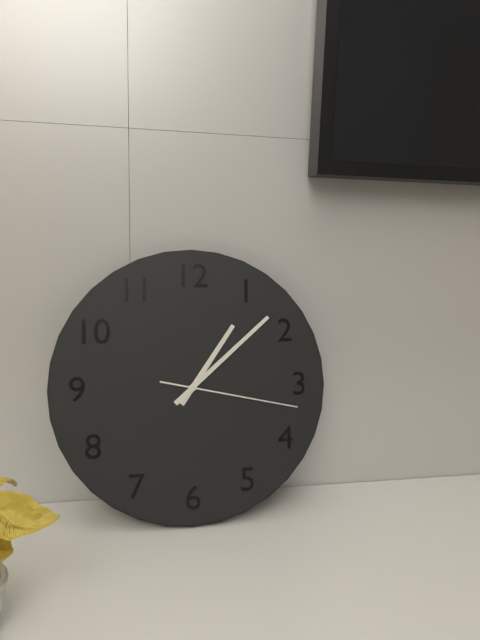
**1:08:17**
